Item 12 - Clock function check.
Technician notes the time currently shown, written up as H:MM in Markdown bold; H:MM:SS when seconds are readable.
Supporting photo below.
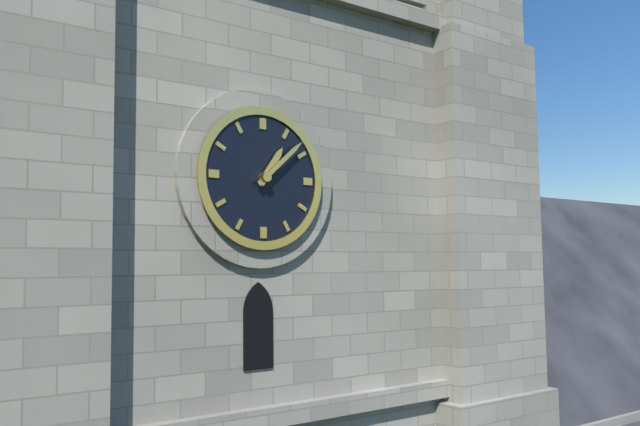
**1:08**
